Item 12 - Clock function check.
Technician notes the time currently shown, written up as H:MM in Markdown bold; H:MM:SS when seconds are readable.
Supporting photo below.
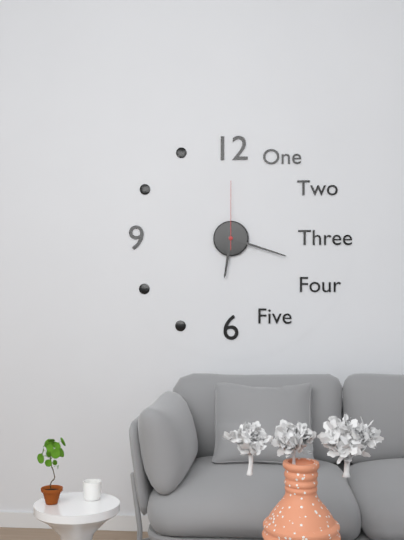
**6:18:00**
